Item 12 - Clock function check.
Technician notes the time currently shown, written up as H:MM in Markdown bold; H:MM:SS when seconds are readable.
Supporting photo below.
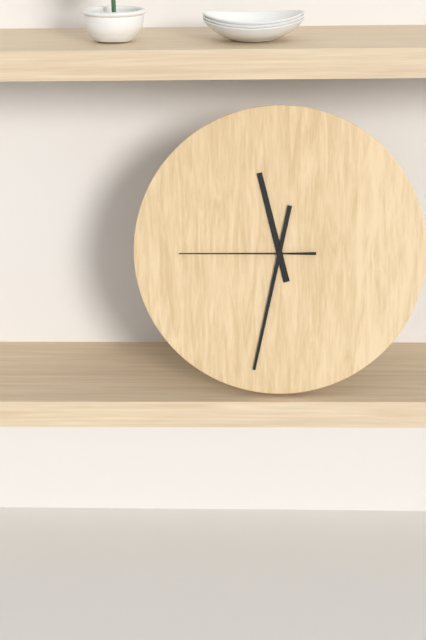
**11:32:45**
